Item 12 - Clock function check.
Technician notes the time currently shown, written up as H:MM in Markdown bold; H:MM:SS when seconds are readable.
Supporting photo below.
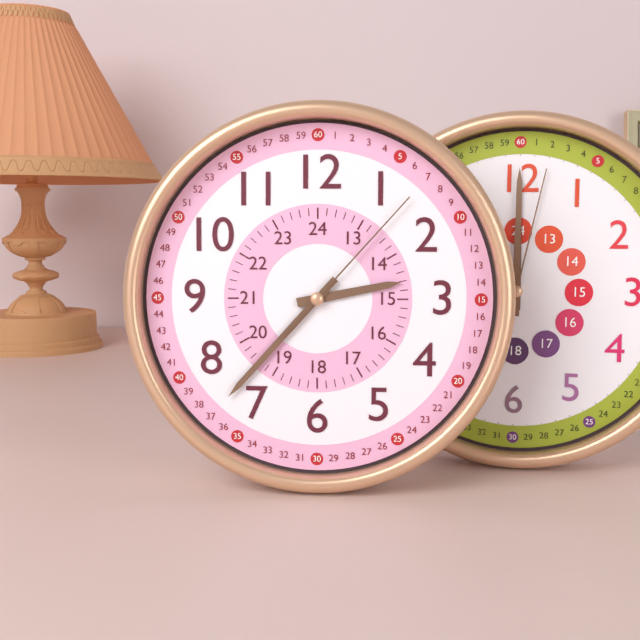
**2:37:07**
